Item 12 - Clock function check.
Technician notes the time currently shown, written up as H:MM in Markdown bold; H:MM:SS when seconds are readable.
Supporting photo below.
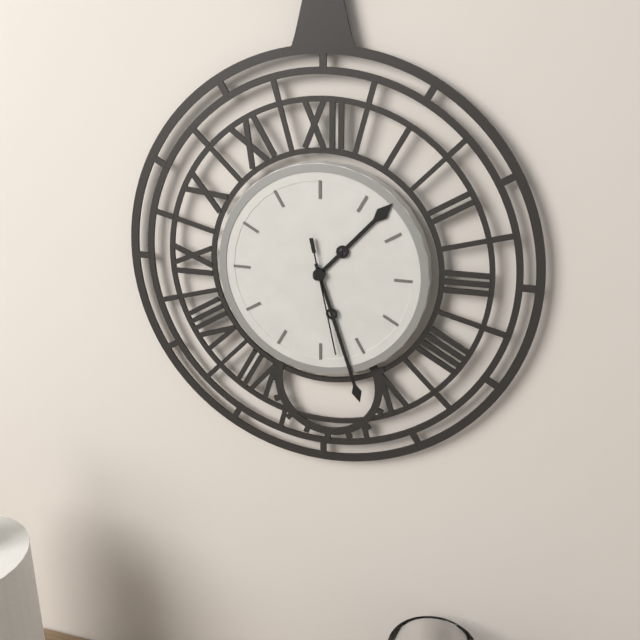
**1:27:28**
